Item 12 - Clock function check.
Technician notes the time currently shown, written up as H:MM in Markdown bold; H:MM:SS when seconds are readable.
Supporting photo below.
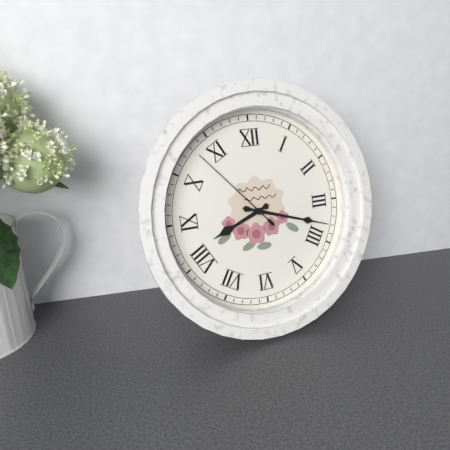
**8:18:53**
